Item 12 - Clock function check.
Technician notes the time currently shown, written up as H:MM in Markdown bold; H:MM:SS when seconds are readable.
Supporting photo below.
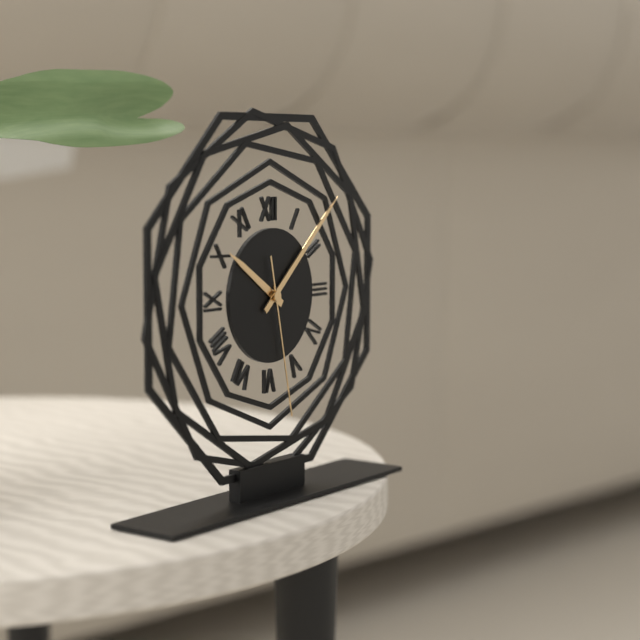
**10:08:28**
